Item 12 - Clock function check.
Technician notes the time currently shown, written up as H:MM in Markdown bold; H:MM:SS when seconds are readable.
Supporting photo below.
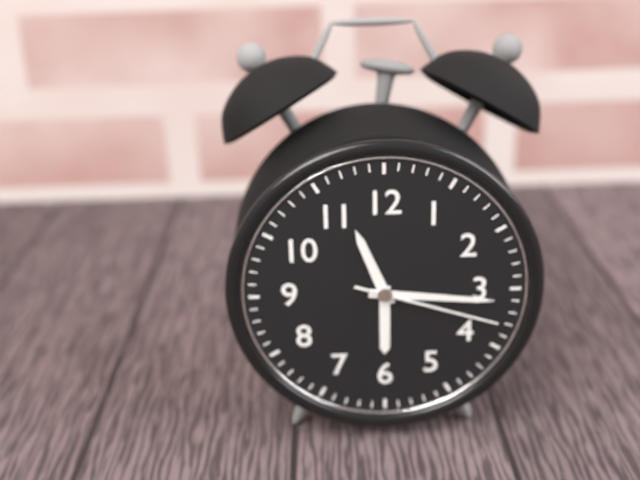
**11:16:18**
